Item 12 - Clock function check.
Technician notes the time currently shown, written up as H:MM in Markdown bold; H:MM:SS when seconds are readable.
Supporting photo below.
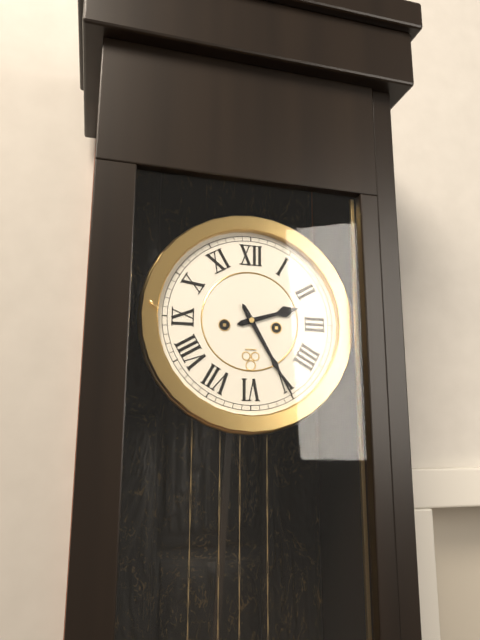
**2:25**
